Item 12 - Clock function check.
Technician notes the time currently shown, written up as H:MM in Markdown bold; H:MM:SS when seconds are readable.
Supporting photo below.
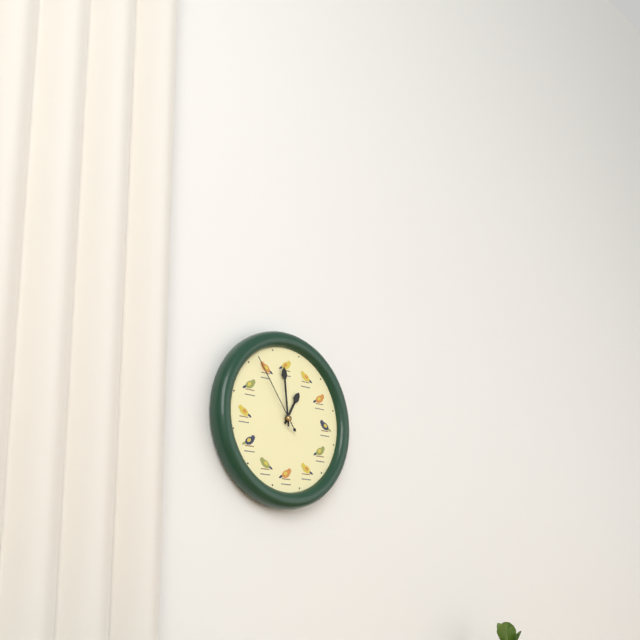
**12:59:54**
